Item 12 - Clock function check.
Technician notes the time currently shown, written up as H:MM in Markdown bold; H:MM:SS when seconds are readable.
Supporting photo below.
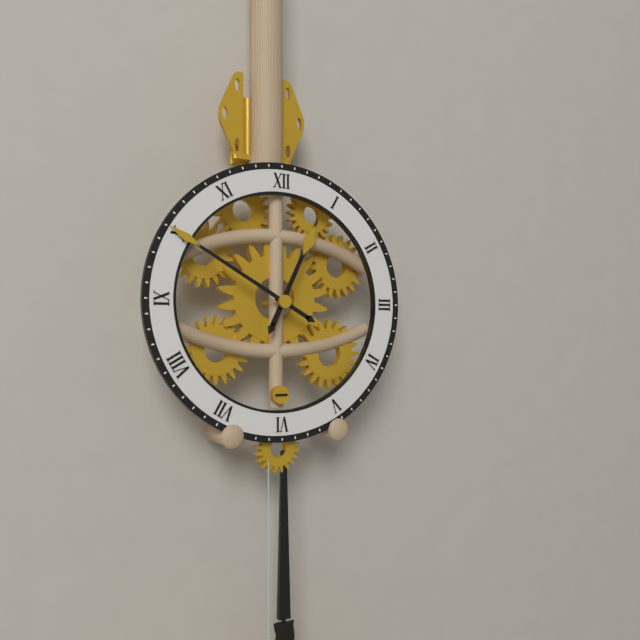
**12:50**
